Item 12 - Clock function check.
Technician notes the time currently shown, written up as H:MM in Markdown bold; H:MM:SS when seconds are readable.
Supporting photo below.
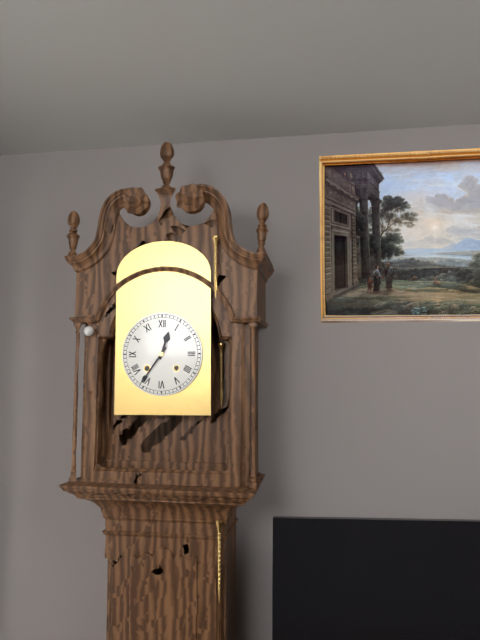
**12:36**
